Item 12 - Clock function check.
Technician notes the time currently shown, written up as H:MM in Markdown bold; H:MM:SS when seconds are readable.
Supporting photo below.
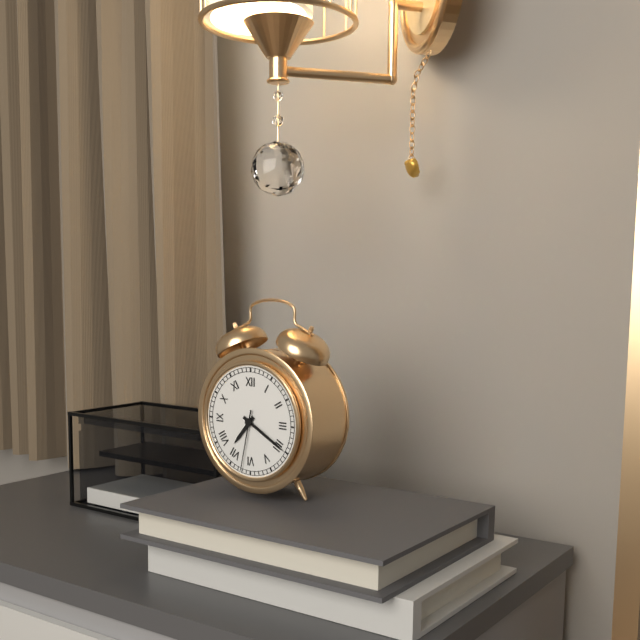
**7:20:32**
